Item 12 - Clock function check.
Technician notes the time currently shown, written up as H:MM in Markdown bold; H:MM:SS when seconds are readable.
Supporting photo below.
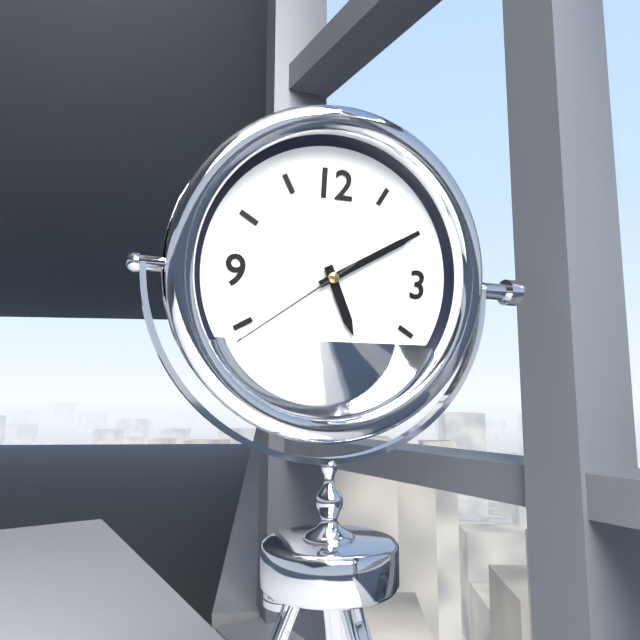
**5:10:39**
